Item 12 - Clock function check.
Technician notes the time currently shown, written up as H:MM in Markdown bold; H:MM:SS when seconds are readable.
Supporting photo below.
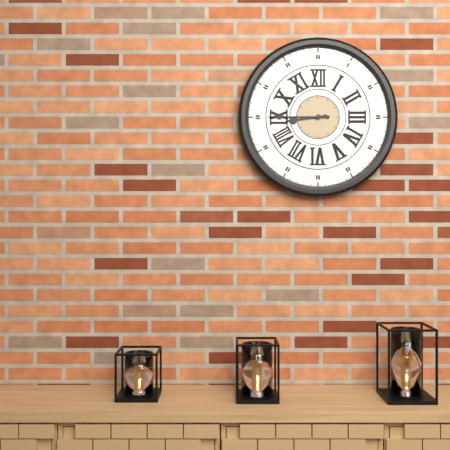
**8:45**
